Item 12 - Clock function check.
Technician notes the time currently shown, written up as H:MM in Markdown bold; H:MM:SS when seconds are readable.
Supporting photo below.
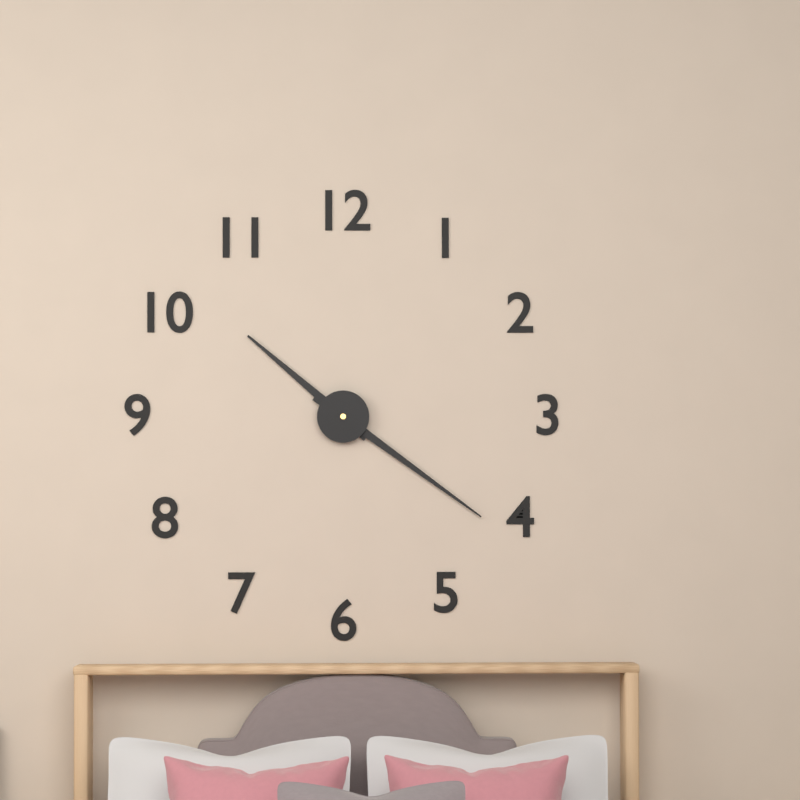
**10:21**
